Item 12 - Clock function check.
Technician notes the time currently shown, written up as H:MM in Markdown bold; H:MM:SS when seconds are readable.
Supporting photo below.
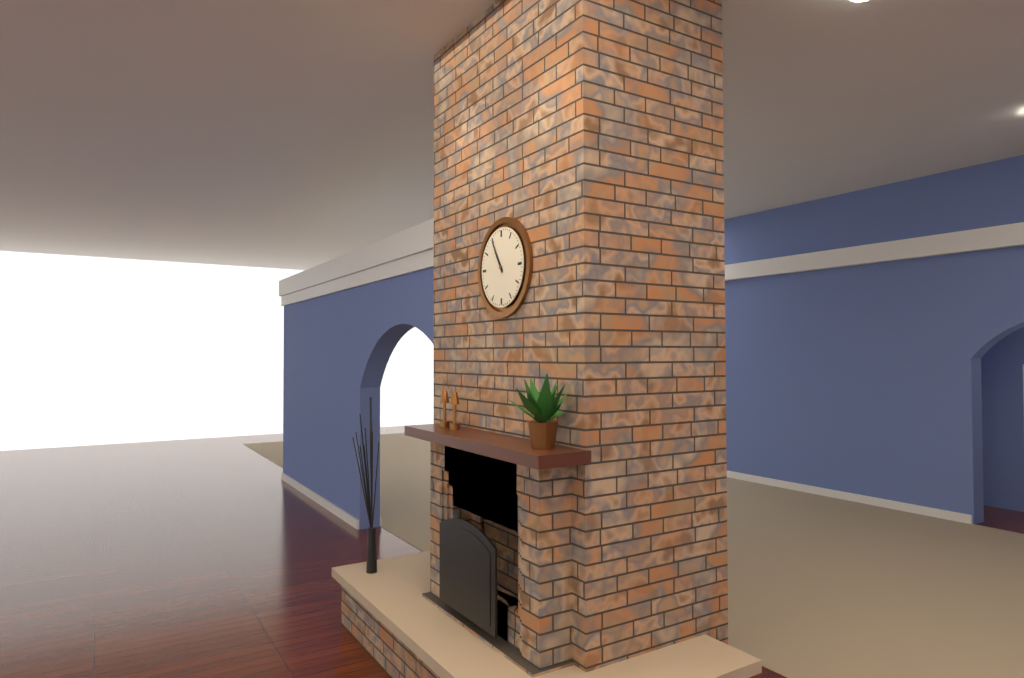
**10:55**
